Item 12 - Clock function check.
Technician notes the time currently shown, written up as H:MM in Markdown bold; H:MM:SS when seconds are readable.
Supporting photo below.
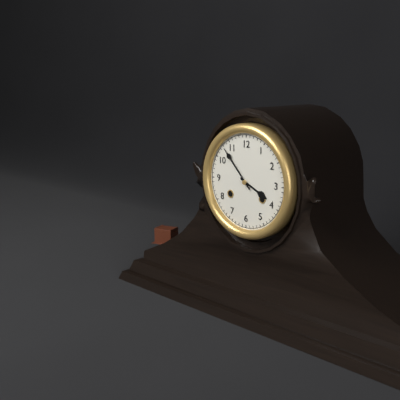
**3:53**
